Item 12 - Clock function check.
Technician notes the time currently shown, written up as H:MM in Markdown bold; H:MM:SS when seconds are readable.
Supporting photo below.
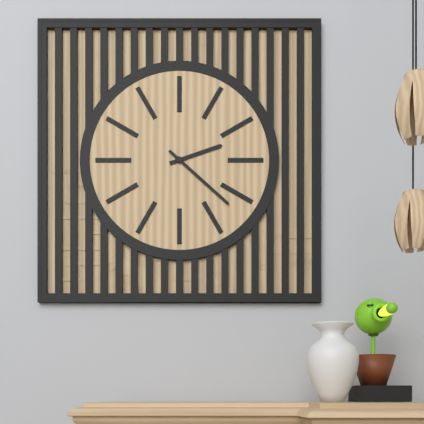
**2:22**
